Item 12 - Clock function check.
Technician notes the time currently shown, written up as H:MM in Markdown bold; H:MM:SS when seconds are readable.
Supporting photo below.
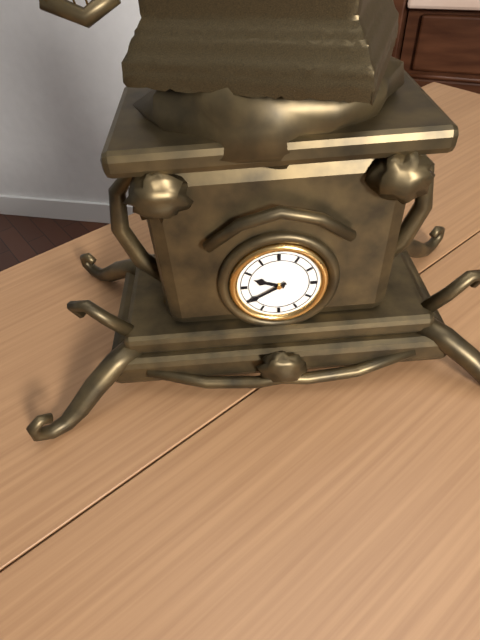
**9:40**
